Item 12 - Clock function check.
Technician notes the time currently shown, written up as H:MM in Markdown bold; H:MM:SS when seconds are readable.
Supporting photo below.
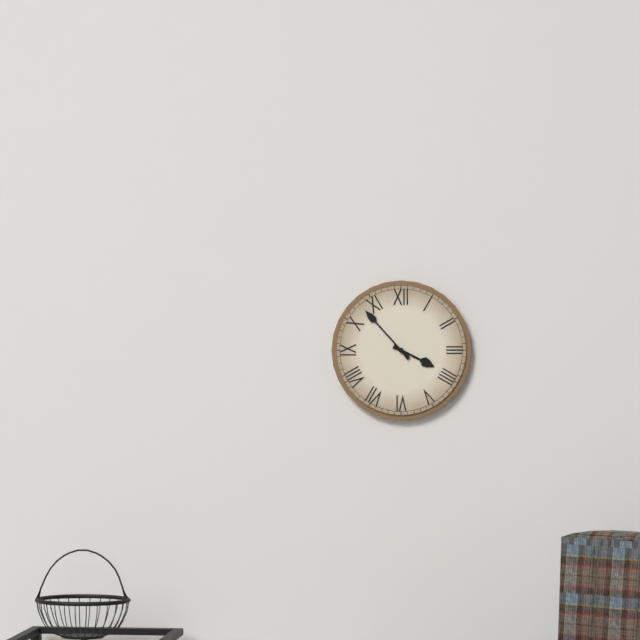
**3:53**
